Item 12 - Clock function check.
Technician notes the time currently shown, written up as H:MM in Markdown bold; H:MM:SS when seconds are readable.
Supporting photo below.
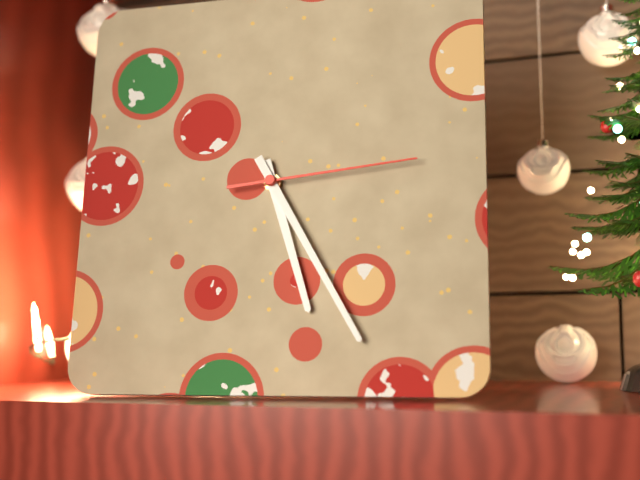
**5:25:14**
